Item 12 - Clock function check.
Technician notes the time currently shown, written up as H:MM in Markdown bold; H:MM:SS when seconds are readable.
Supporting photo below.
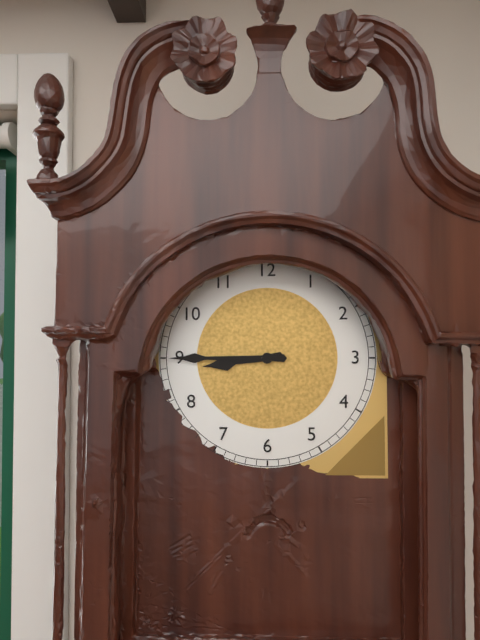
**8:45**
